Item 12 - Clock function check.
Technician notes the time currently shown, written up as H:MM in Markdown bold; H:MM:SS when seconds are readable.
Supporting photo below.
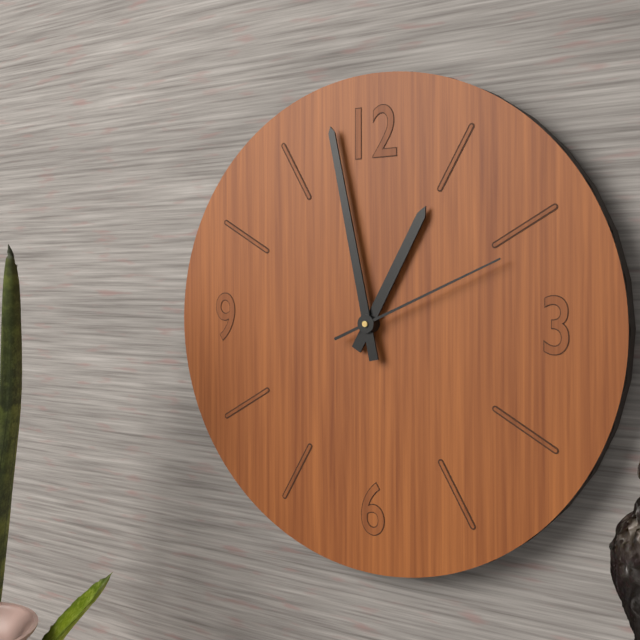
**12:58:11**
